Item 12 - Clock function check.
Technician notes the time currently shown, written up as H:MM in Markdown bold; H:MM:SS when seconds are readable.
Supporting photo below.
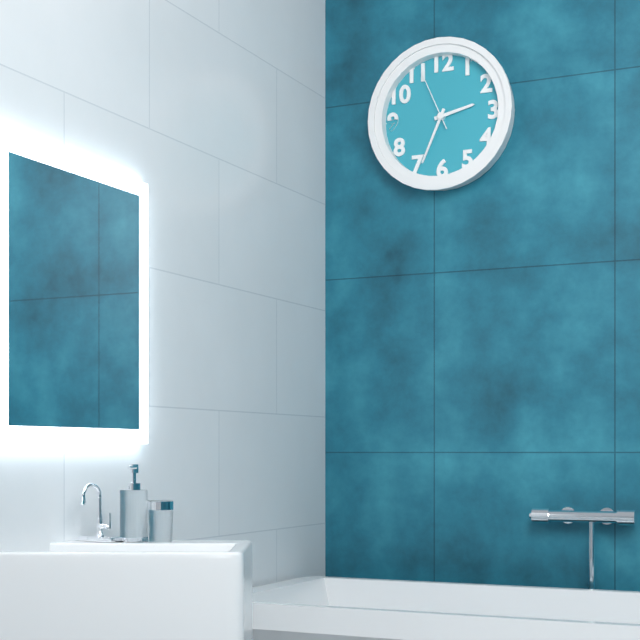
**2:34:56**
